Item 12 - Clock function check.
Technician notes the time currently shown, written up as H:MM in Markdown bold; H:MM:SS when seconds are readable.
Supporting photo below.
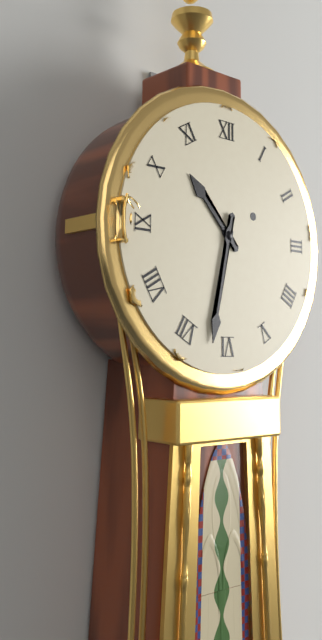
**10:32**
